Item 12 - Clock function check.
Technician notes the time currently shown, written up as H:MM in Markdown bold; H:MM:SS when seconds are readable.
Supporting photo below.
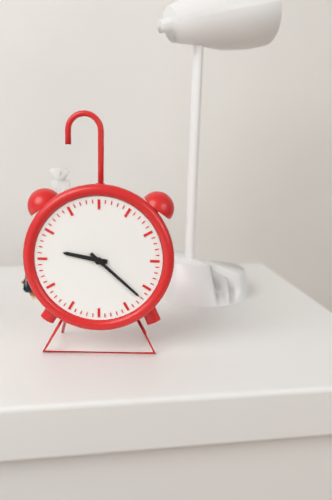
**9:22**
